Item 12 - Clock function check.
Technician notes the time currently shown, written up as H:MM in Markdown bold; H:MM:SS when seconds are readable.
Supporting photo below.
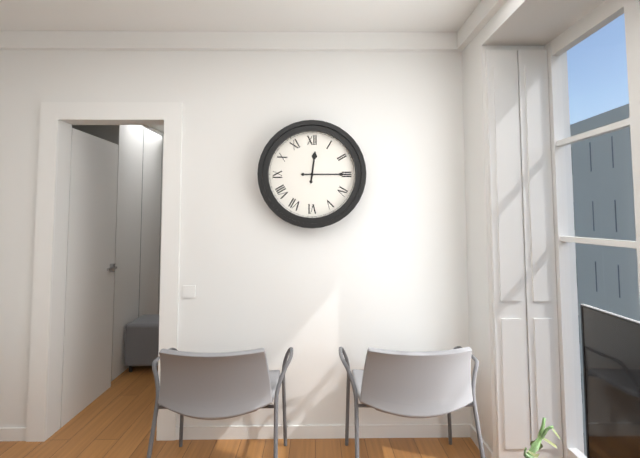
**12:15**
